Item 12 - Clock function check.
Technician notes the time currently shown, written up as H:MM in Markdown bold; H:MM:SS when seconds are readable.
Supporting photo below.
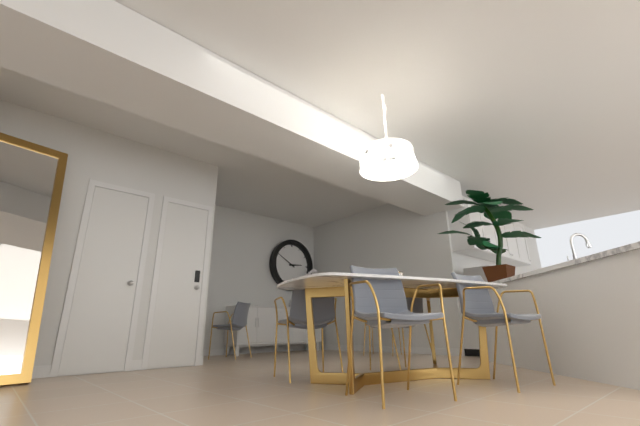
**2:50**
